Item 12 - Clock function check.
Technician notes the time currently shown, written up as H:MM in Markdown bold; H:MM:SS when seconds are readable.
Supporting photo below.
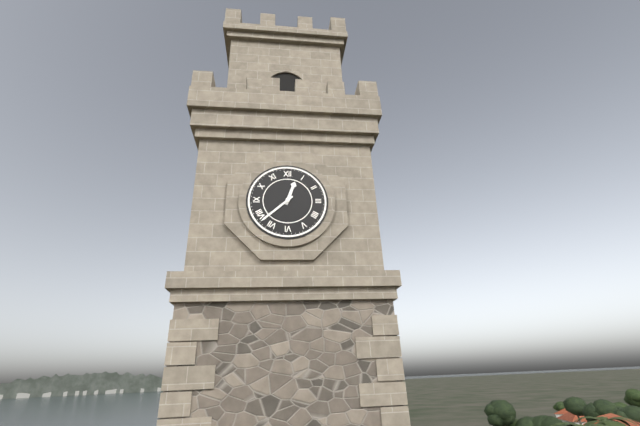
**12:38**
